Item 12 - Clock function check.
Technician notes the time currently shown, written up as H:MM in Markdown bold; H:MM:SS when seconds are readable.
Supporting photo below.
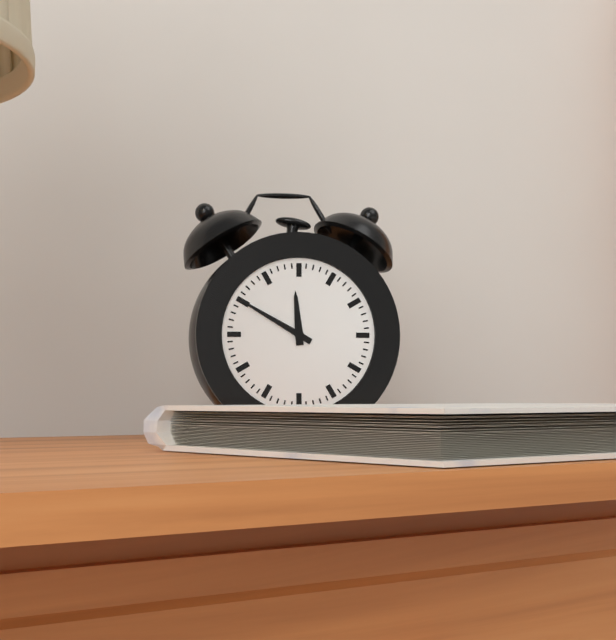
**11:50**
